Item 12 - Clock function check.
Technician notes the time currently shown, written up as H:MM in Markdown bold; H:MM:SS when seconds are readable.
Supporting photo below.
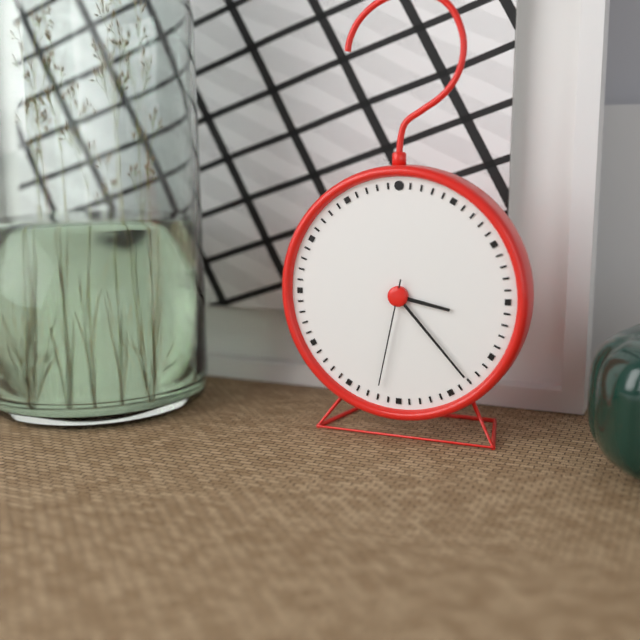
**3:23:32**
